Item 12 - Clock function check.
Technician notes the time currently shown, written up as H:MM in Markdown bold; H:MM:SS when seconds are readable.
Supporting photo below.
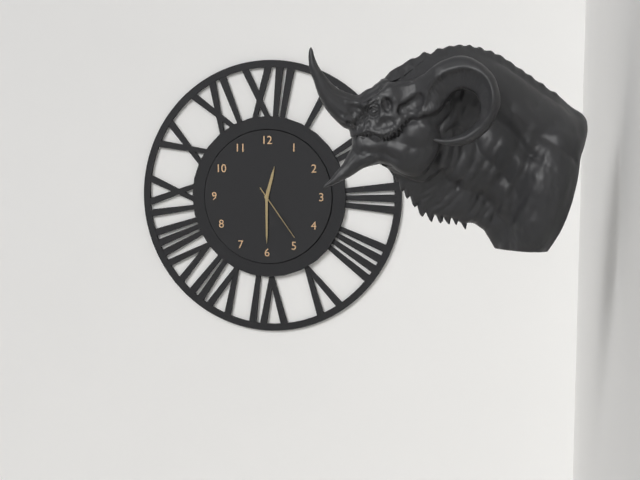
**12:30:24**
